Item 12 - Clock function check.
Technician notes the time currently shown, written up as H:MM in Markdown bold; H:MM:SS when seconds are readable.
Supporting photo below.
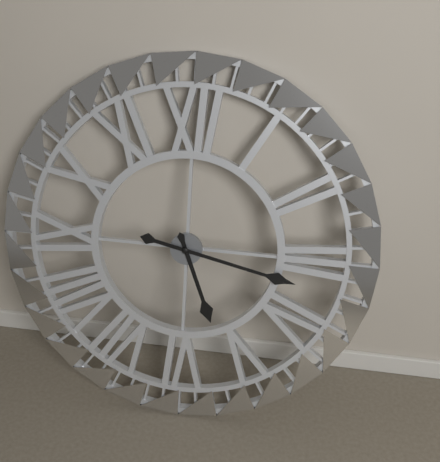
**5:17**
